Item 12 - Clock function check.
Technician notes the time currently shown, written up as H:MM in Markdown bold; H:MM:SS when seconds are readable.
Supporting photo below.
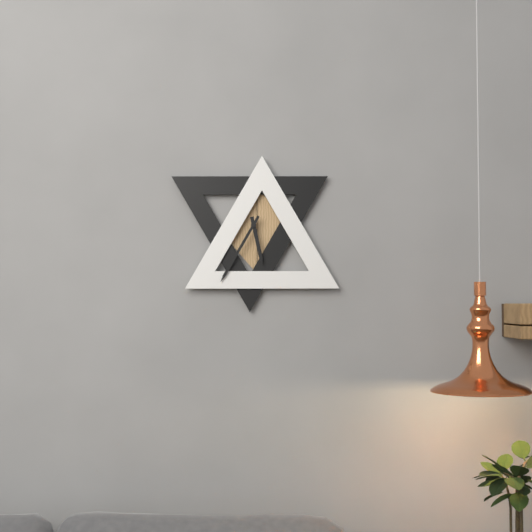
**5:35**
